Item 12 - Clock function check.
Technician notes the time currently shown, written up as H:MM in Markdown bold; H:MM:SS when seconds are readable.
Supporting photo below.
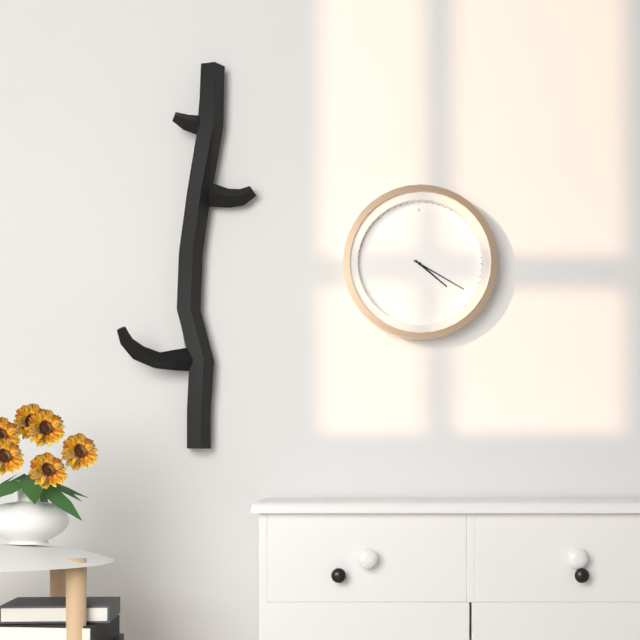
**4:20**
